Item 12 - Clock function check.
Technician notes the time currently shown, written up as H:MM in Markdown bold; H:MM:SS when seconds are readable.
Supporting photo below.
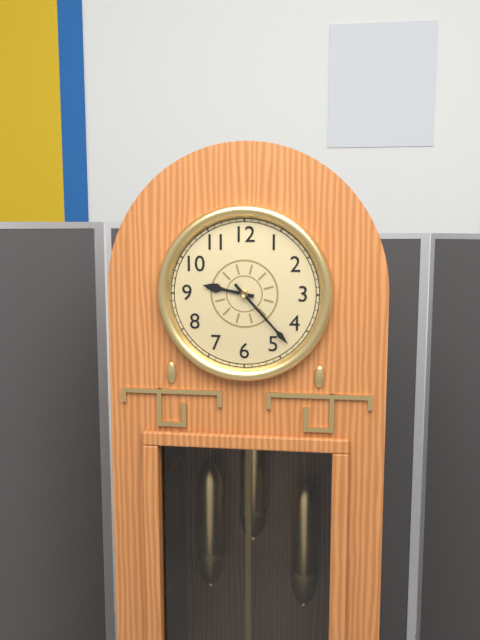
**9:23**
